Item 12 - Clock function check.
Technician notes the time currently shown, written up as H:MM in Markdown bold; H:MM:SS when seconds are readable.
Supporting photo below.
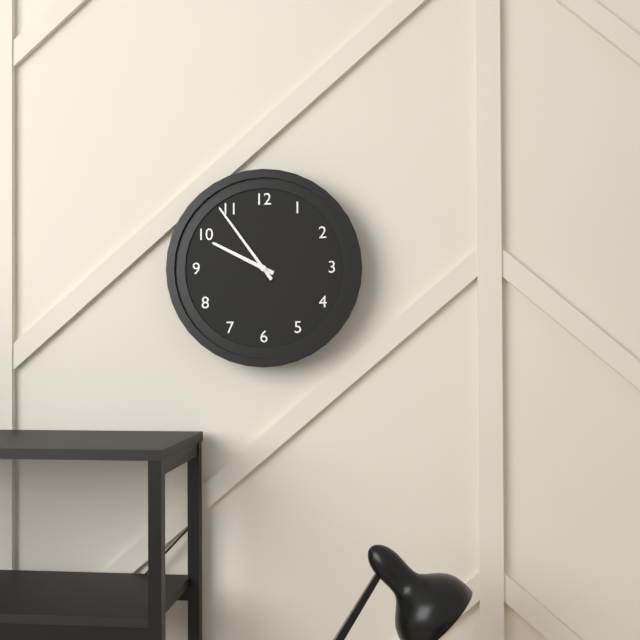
**9:54**
